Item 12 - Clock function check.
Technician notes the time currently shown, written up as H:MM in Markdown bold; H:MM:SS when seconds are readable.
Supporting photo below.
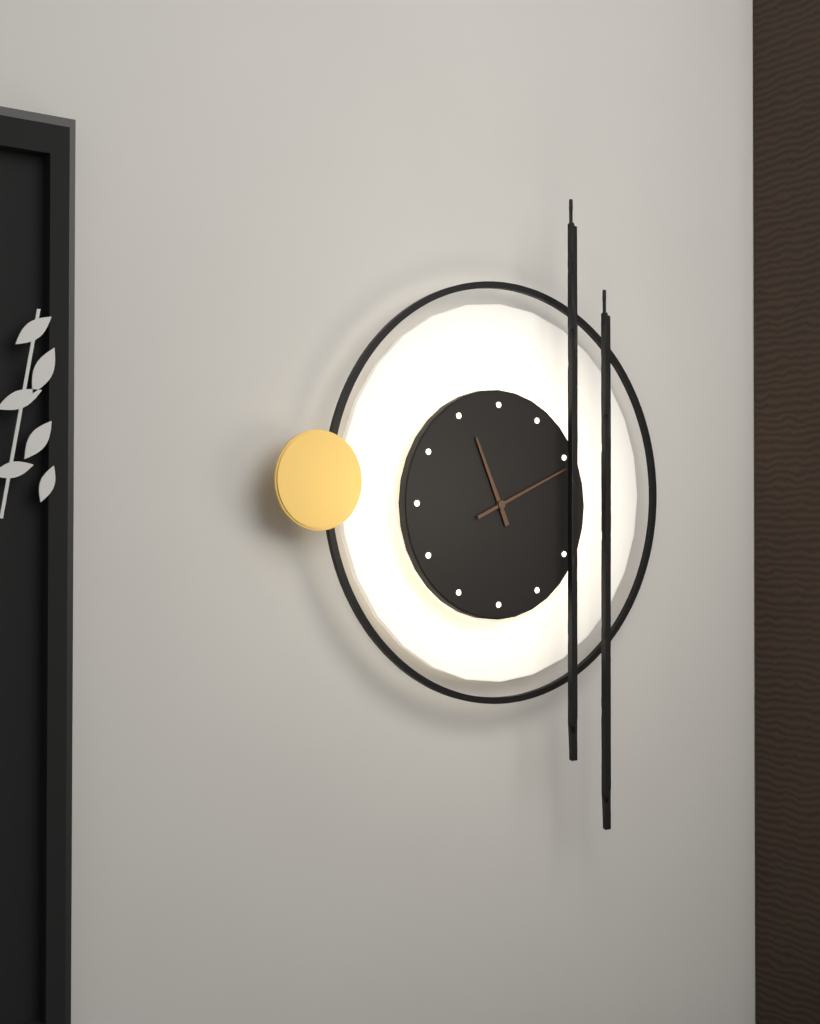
**11:11**
